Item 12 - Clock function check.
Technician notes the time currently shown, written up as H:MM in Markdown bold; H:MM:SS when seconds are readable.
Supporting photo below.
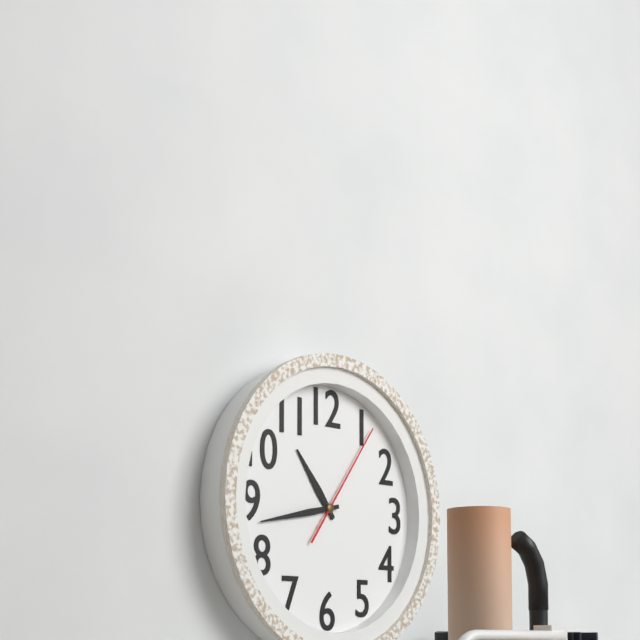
**10:43:06**
